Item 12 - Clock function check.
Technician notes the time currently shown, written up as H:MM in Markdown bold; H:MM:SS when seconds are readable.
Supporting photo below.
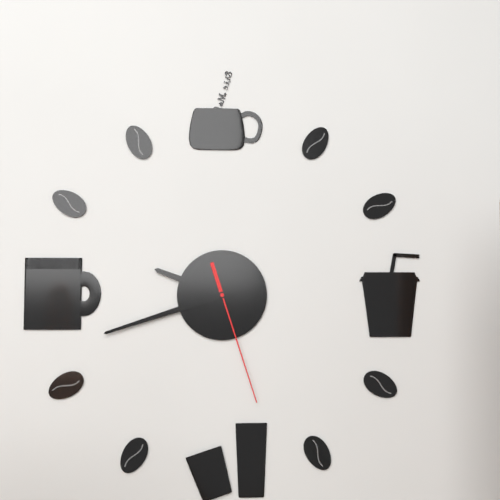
**9:42:27**
